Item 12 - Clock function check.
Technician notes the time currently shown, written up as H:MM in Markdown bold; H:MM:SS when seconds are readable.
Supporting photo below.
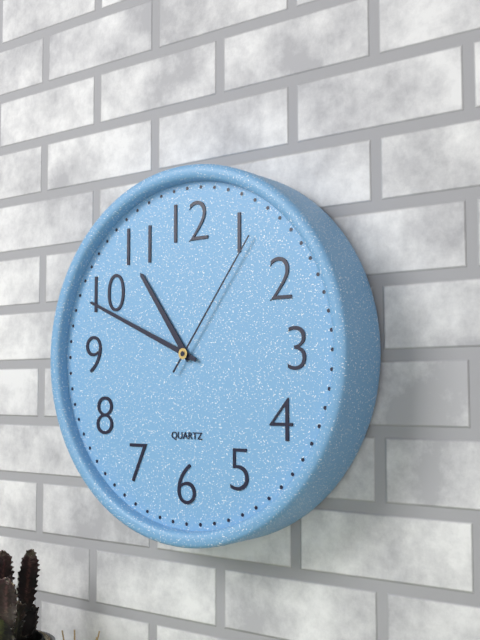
**10:49:06**
